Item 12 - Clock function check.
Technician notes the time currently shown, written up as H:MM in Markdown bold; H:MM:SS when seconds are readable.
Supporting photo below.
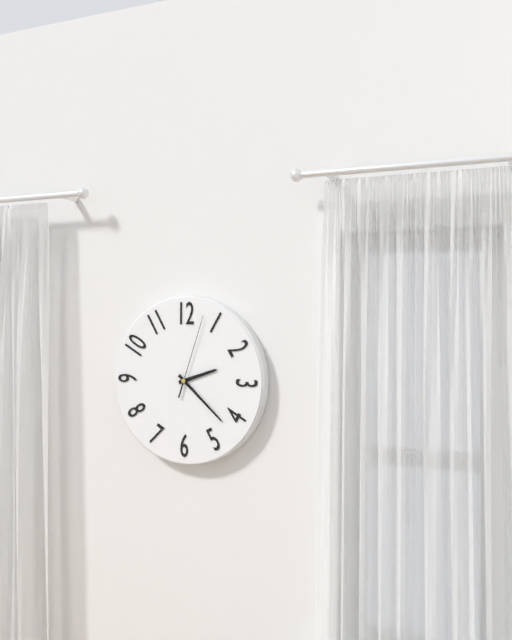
**2:22:03**
